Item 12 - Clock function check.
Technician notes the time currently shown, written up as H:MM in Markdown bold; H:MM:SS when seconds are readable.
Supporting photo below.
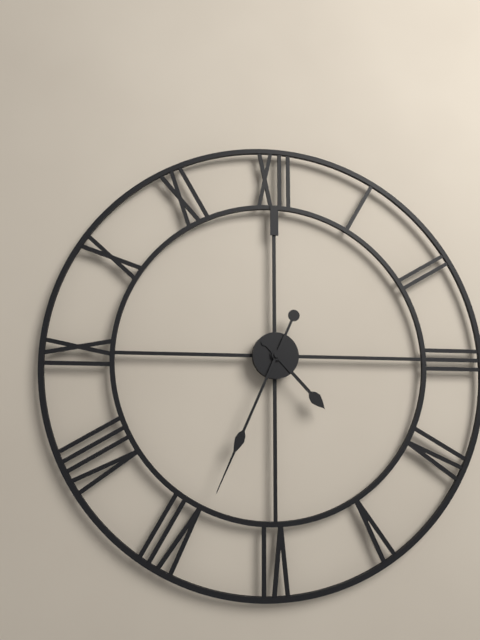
**4:34**
